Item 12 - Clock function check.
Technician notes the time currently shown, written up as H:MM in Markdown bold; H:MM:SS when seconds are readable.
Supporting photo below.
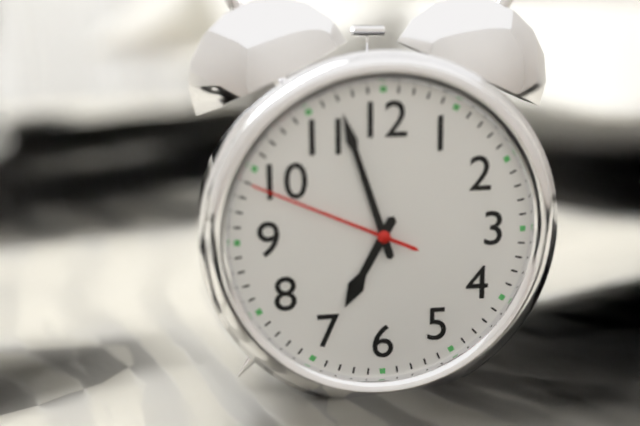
**6:57:49**
